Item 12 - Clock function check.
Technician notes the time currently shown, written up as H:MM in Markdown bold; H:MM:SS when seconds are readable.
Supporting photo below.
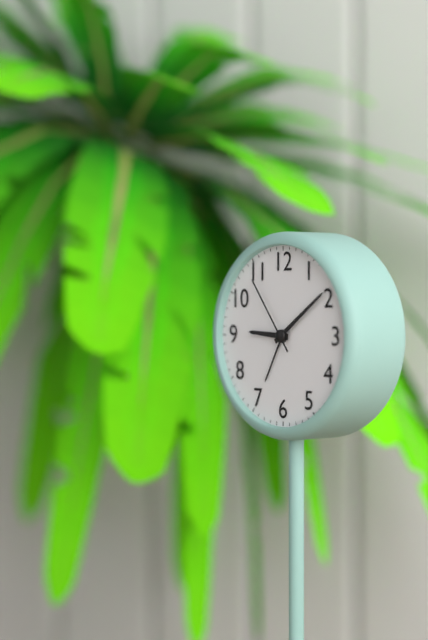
**9:09:54**
